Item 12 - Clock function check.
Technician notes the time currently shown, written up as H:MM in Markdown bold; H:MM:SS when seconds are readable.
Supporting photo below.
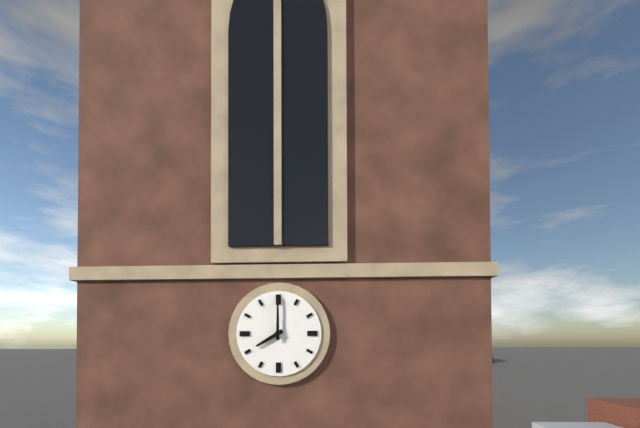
**8:00**
